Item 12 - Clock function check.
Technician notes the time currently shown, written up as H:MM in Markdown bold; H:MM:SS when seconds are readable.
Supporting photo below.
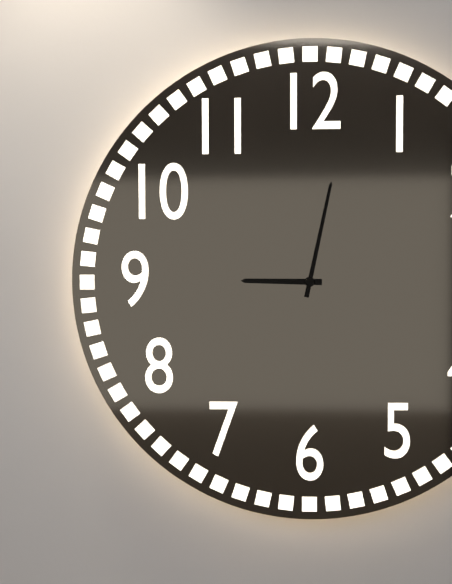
**9:02**
